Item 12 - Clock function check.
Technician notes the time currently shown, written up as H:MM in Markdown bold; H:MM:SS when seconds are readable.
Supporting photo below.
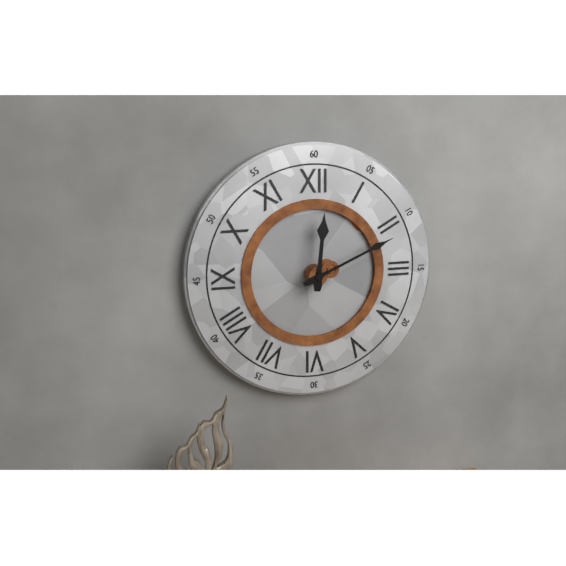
**12:11**
